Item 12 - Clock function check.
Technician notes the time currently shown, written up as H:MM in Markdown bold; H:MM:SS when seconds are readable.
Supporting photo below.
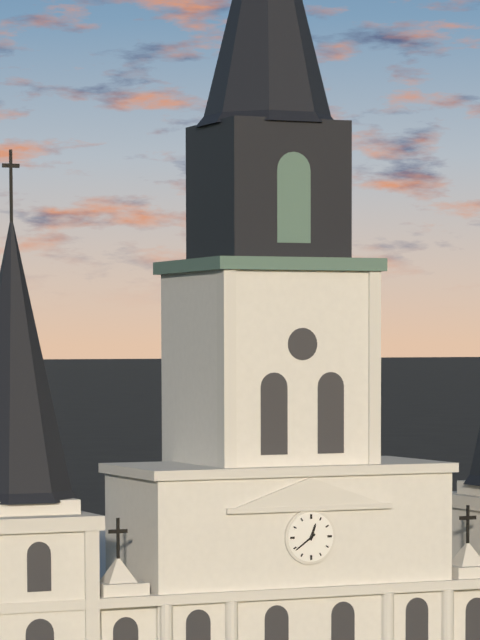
**12:39**
